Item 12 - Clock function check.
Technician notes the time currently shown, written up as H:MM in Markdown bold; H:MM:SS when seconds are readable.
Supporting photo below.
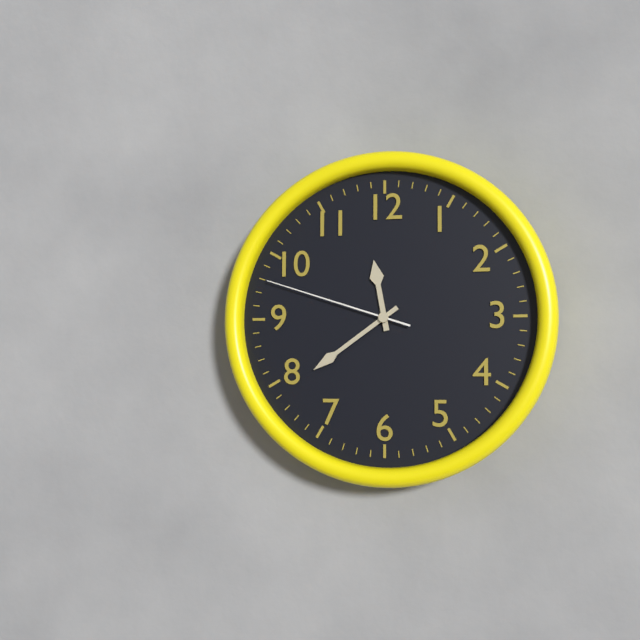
**11:39:48**
